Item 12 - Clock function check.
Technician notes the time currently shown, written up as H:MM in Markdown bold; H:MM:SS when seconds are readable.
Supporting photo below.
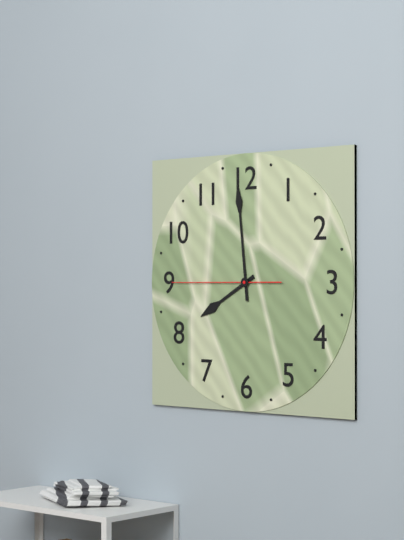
**7:59:45**
